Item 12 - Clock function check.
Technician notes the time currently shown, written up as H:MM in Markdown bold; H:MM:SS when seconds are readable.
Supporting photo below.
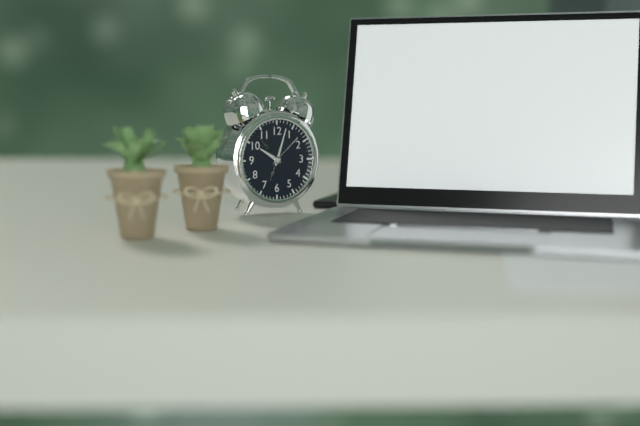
**10:03**
